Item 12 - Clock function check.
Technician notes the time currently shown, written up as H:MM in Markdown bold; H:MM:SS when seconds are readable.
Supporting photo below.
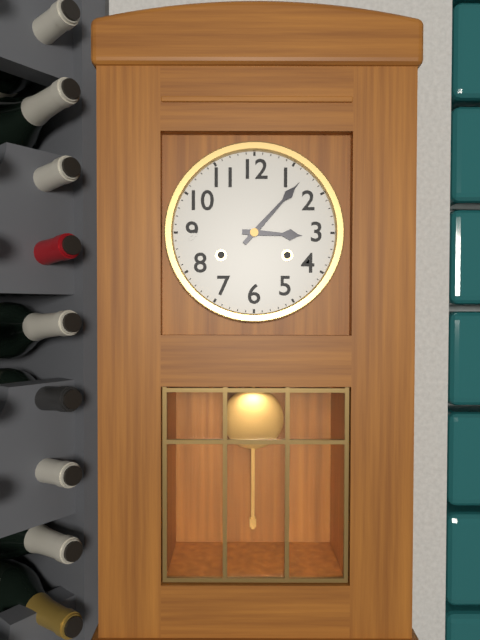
**3:07**
